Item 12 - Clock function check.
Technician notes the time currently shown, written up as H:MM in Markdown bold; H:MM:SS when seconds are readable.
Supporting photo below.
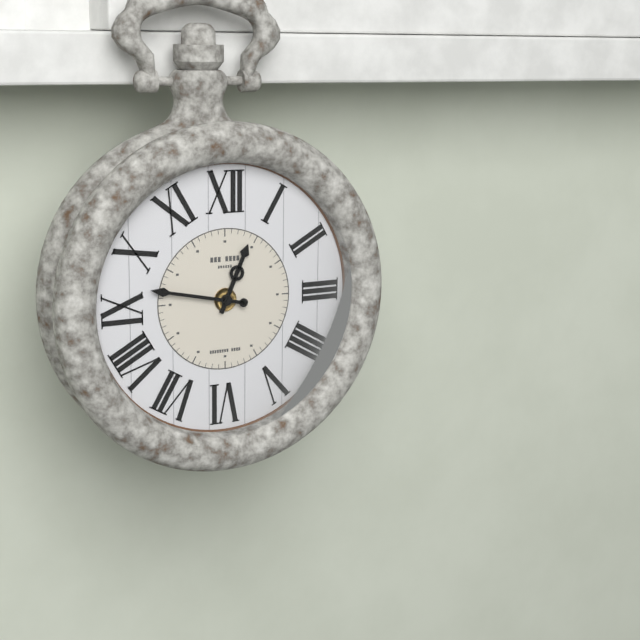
**12:47**
